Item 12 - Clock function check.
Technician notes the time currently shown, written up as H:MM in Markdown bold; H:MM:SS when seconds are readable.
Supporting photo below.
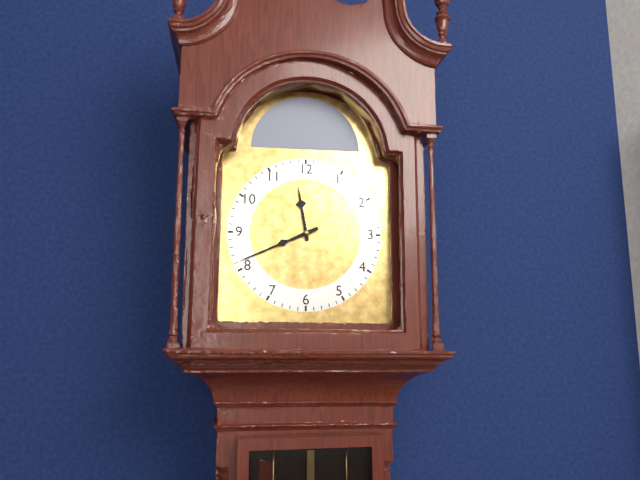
**11:41**
